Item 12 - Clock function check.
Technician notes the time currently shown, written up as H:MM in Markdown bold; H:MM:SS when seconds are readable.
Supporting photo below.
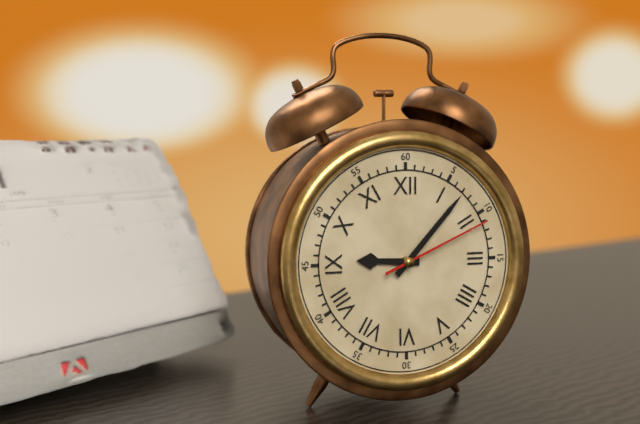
**9:07:11**
